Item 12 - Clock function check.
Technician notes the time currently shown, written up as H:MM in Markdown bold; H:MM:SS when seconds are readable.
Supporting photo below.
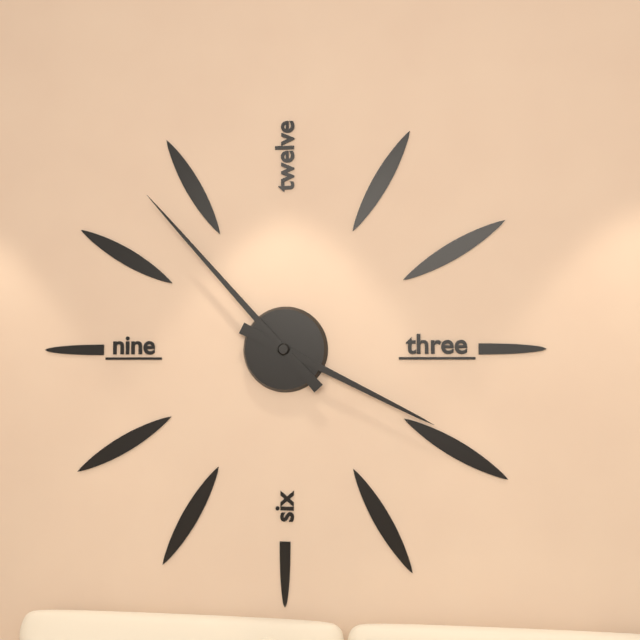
**3:53**
